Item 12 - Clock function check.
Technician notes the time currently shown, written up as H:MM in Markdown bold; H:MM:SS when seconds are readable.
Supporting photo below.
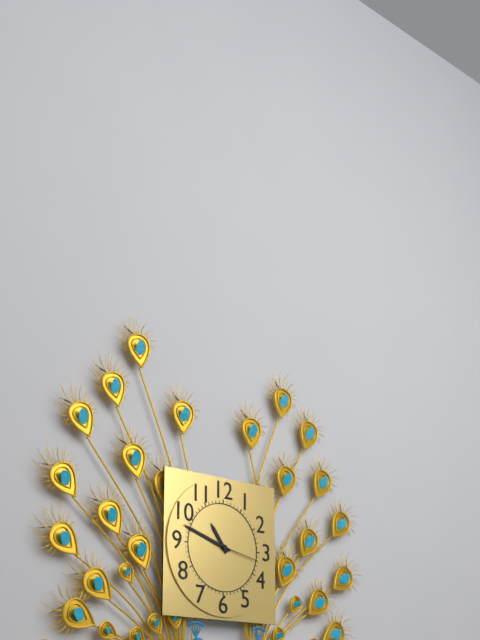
**10:48**
